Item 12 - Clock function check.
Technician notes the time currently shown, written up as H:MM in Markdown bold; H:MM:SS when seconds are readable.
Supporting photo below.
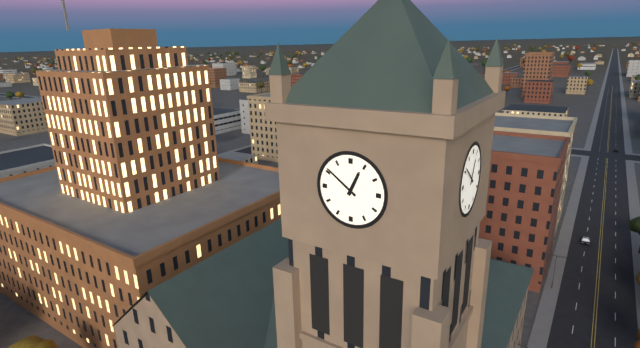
**12:51**
